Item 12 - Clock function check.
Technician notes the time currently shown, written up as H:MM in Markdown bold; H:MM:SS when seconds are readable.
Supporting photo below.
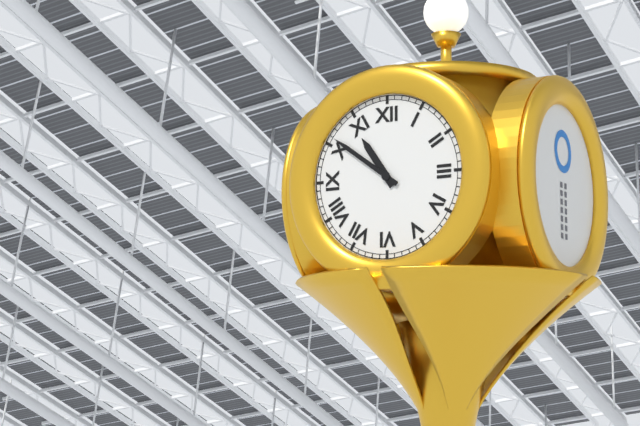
**10:51**
